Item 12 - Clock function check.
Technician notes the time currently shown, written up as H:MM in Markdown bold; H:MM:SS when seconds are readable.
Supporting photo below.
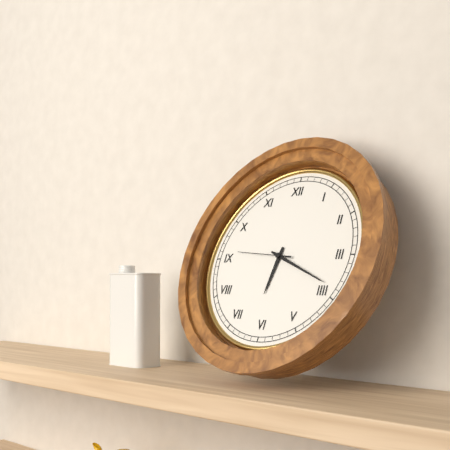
**6:19:46**
